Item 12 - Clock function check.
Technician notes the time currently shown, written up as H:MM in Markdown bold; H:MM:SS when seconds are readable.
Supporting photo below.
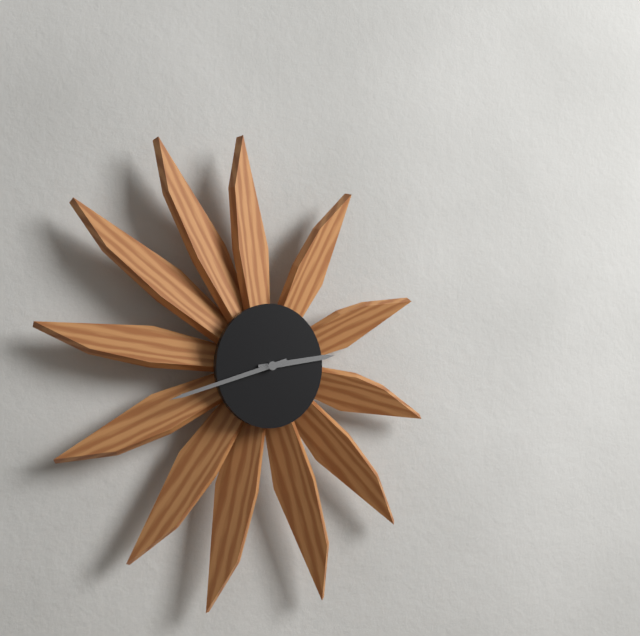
**2:42**
